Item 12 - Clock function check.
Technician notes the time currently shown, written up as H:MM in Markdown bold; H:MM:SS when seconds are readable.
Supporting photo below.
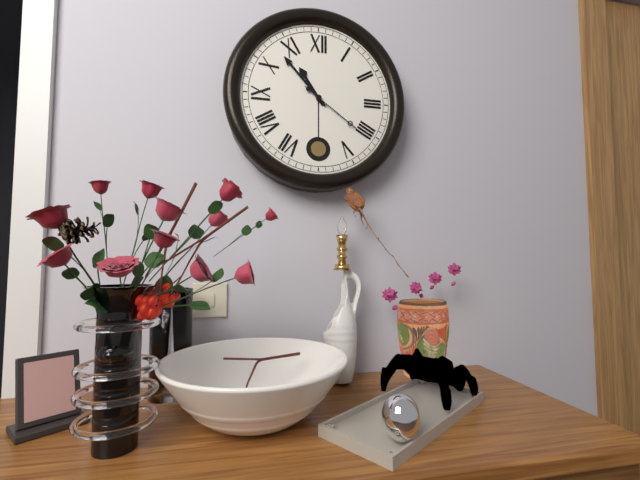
**10:53:21**
